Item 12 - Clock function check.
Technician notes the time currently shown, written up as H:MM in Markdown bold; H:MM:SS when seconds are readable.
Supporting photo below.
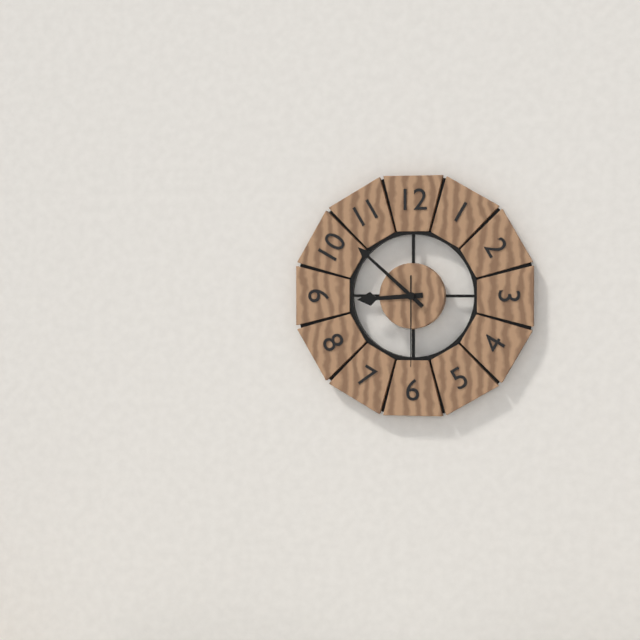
**8:52:30**
